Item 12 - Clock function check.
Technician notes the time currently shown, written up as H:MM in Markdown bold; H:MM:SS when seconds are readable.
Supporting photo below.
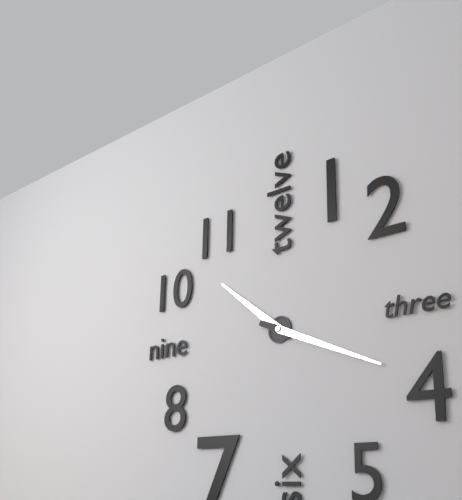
**10:19**
